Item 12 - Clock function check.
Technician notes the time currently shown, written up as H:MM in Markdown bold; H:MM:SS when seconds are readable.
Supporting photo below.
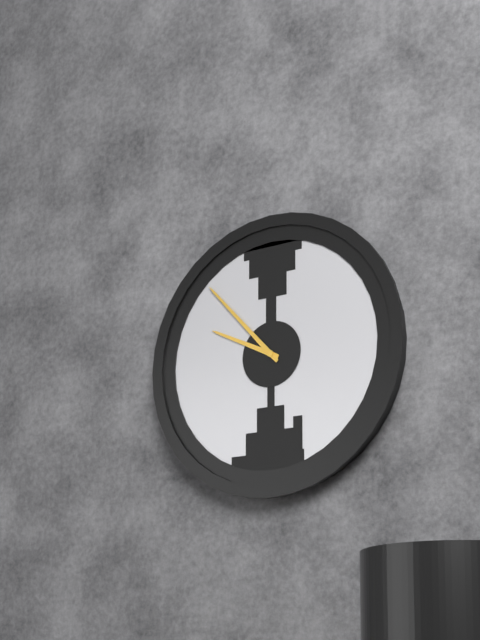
**9:53**
